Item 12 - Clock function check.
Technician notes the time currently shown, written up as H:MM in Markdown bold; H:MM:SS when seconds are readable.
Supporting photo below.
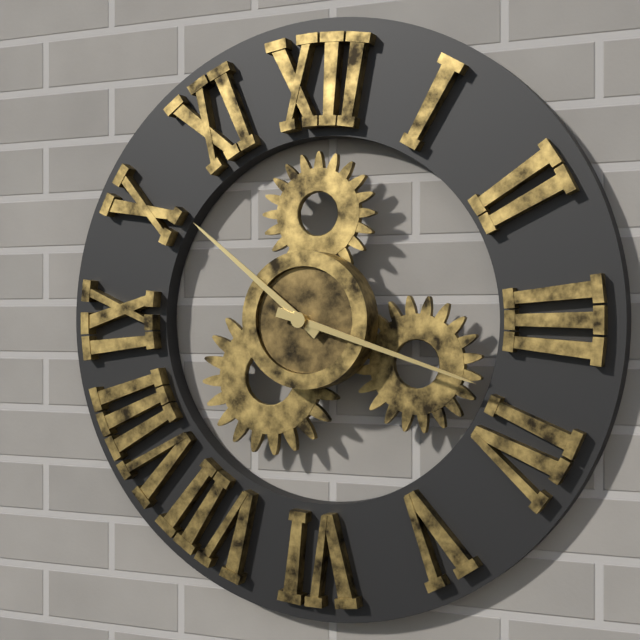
**10:18**
